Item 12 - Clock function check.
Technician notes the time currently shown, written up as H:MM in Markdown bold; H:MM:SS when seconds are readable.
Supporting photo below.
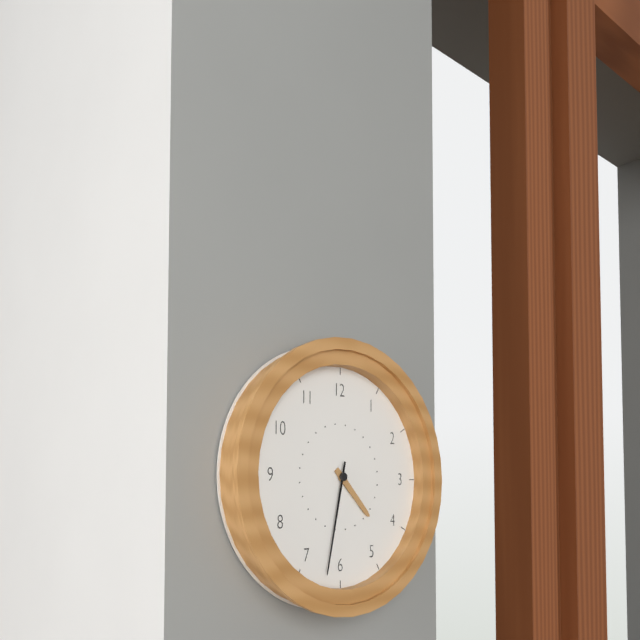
**4:32**
